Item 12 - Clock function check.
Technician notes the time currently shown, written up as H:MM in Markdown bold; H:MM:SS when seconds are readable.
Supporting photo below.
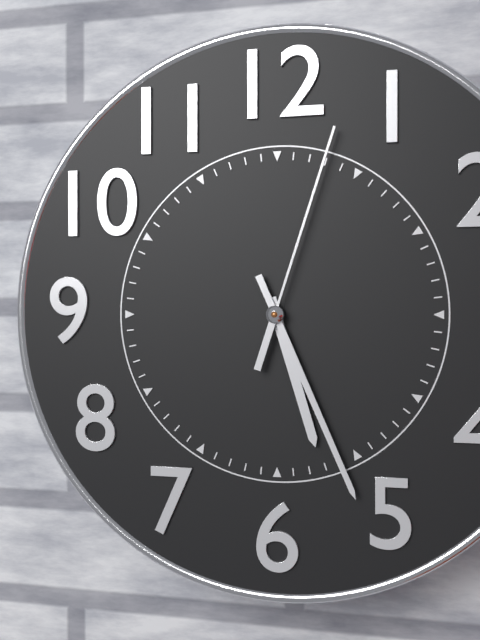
**5:26:03**
